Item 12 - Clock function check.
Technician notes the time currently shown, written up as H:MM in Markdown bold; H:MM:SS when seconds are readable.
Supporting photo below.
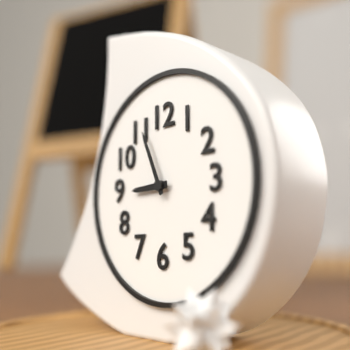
**8:56**
